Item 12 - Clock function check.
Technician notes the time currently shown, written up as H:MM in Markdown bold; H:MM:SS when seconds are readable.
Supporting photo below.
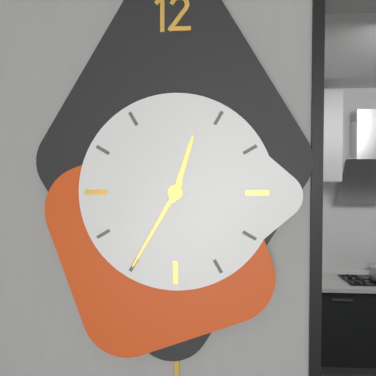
**12:35**
